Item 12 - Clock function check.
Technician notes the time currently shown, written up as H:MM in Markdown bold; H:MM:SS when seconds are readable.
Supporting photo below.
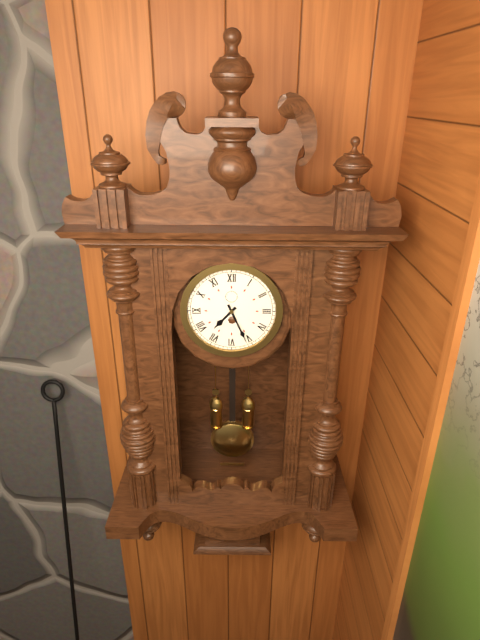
**7:26**
